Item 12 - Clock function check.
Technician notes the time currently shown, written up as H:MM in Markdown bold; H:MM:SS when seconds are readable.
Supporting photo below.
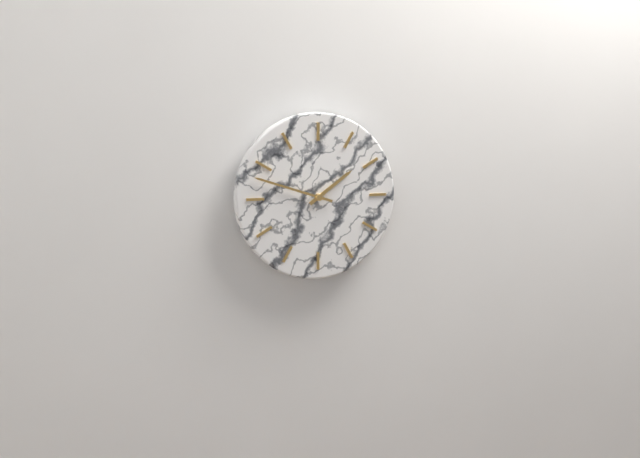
**1:48**
